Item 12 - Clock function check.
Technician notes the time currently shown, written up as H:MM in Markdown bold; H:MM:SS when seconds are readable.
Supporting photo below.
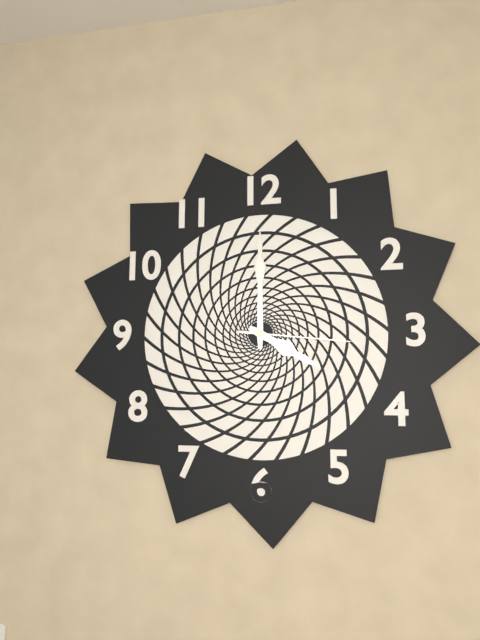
**4:00:16**
